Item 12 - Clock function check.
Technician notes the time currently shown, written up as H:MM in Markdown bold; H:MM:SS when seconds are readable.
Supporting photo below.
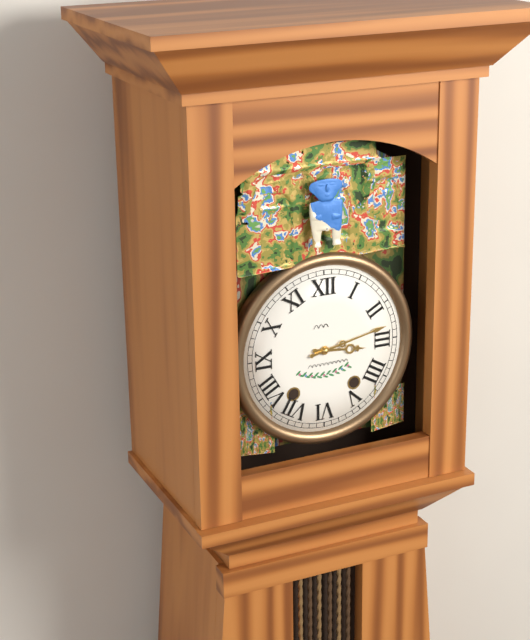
**3:13**
